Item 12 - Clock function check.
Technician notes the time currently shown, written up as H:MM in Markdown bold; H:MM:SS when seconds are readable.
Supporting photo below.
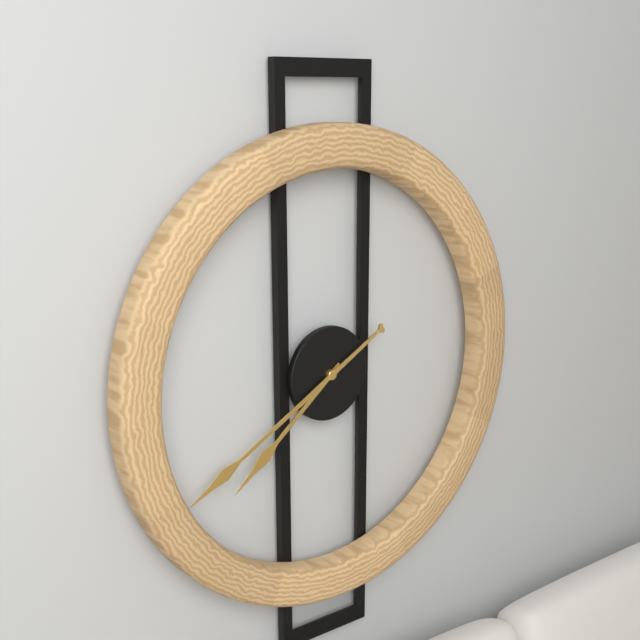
**7:40**
